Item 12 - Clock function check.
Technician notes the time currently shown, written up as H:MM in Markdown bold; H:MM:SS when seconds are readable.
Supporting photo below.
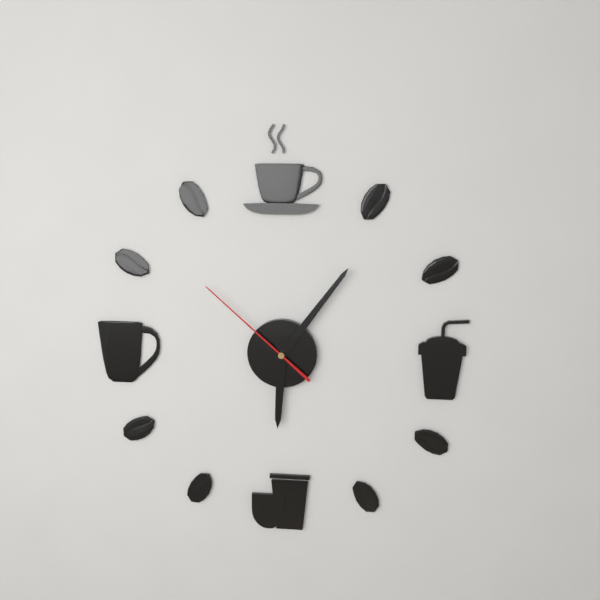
**6:06:52**
